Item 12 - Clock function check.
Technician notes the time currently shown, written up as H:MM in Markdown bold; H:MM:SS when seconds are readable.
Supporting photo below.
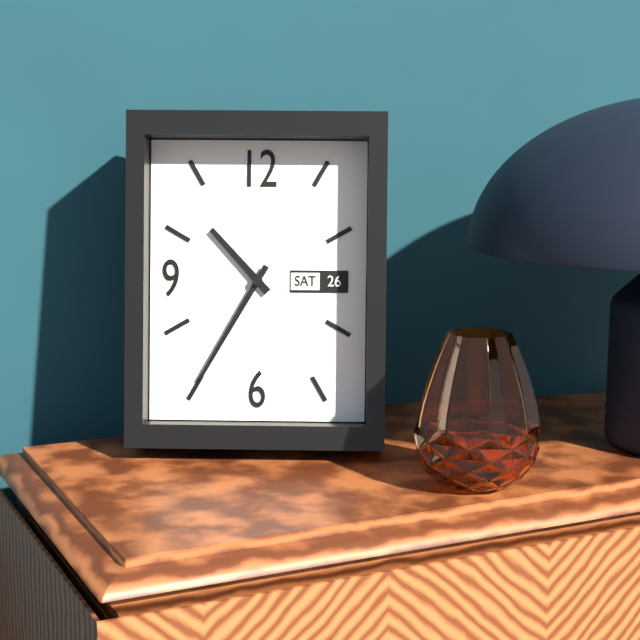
**10:35**
